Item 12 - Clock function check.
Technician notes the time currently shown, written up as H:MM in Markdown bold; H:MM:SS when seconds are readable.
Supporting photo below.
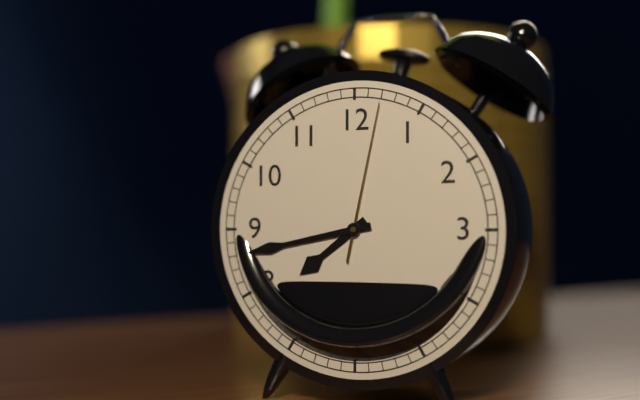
**7:43:02**
